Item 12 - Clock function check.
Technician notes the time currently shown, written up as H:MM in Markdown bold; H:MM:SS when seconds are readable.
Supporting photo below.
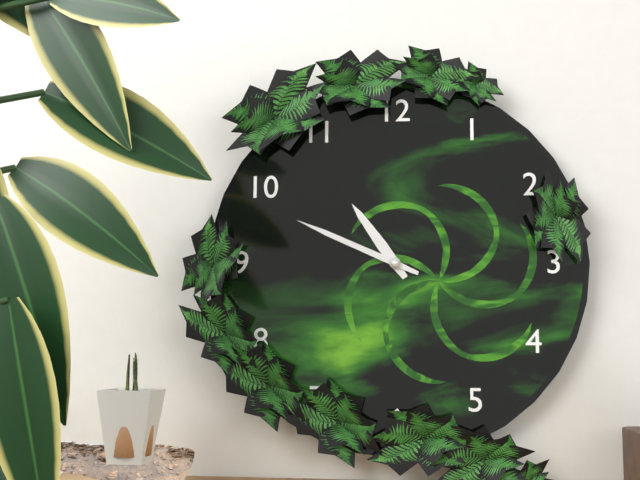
**10:49**
